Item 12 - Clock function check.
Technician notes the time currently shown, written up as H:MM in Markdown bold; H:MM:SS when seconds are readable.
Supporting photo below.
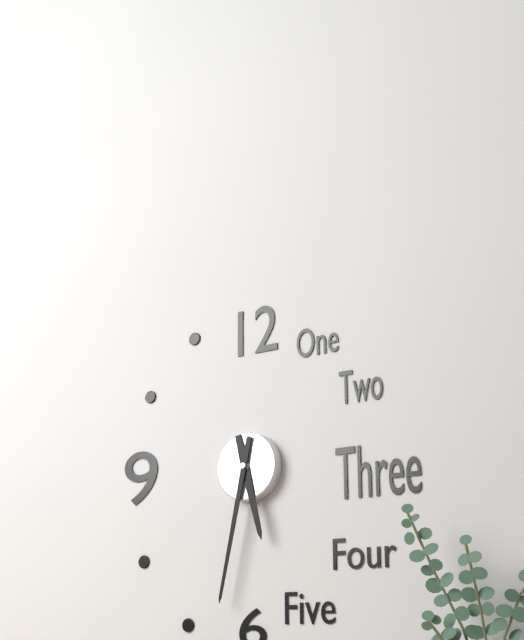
**5:32**
